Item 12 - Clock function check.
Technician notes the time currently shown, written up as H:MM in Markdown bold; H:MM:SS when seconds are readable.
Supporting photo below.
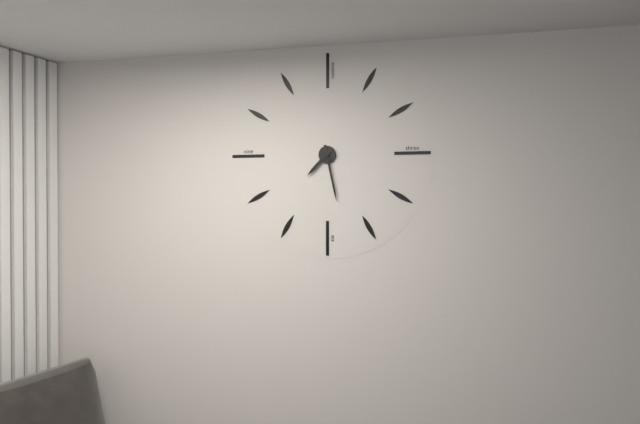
**7:28**
